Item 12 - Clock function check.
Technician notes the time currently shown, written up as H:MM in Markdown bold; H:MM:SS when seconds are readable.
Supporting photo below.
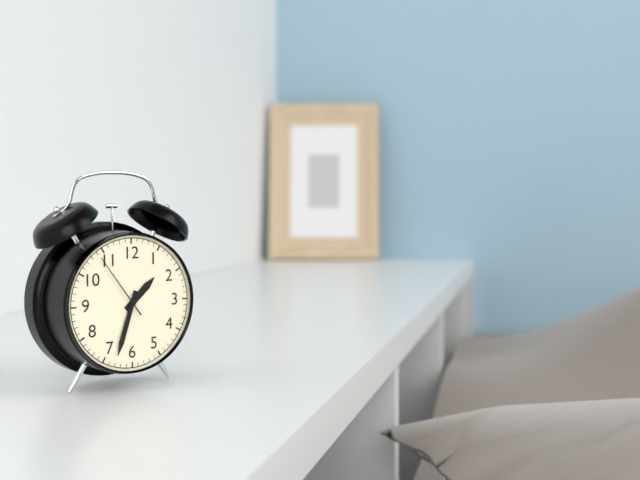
**1:33:54**
